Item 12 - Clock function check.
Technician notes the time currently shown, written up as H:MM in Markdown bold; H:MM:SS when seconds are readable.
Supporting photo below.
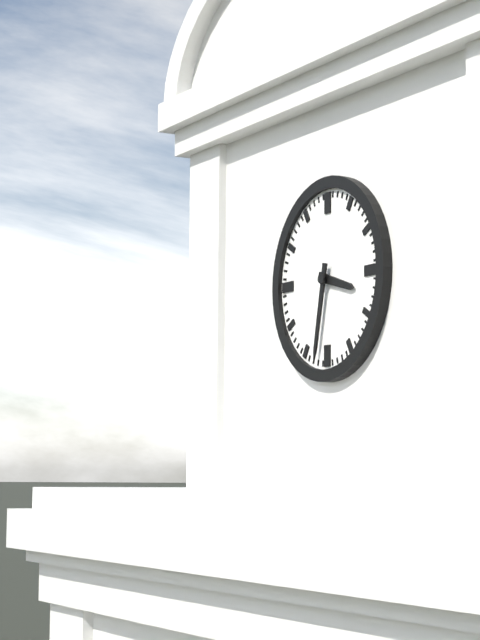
**3:32**
